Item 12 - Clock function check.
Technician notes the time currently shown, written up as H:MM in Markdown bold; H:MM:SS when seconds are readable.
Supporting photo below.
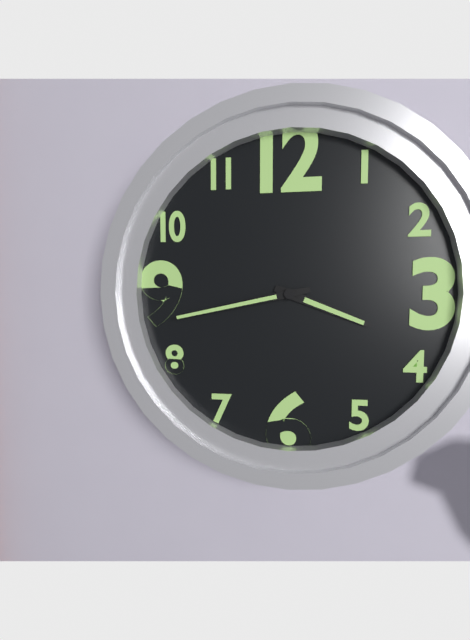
**3:43**
